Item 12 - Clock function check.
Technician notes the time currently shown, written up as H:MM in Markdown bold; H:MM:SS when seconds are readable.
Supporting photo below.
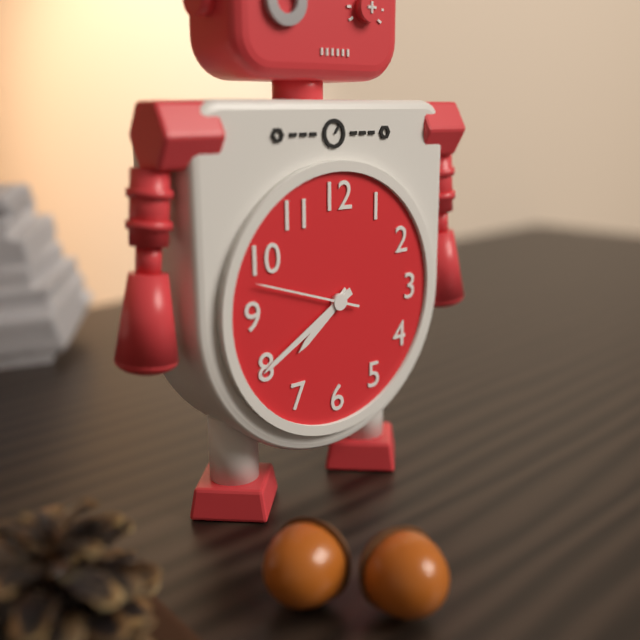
**7:40:48**
